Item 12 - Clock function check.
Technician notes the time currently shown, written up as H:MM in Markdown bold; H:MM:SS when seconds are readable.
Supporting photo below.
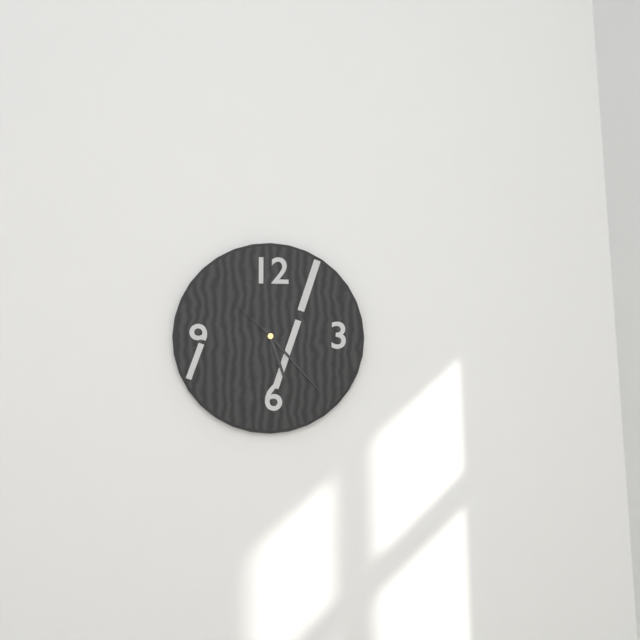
**5:23:52**
